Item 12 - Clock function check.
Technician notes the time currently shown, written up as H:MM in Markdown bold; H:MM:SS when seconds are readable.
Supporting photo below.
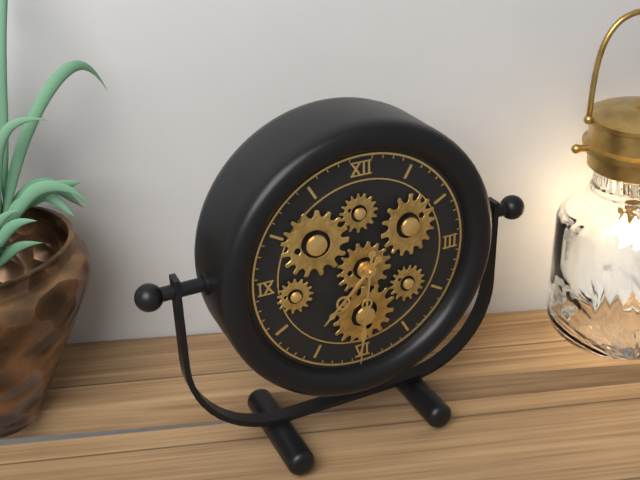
**7:31**
